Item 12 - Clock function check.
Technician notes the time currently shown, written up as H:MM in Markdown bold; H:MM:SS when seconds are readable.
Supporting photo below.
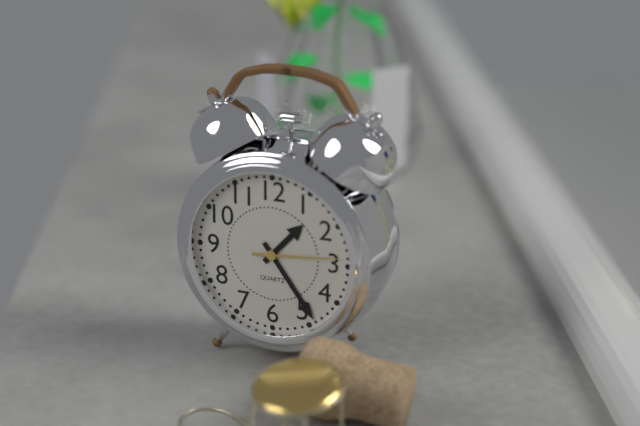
**1:24:14**
